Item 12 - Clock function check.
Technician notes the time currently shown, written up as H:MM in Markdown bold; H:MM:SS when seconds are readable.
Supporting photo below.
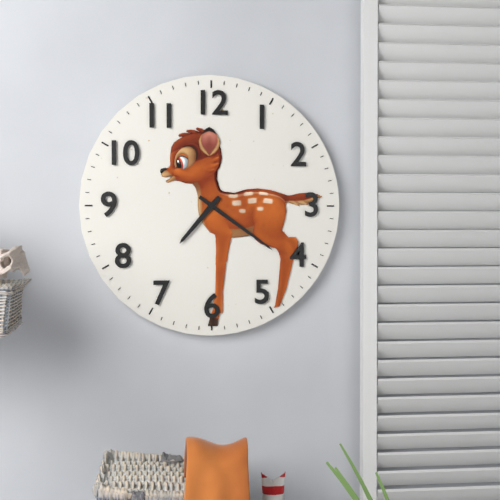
**7:21**
